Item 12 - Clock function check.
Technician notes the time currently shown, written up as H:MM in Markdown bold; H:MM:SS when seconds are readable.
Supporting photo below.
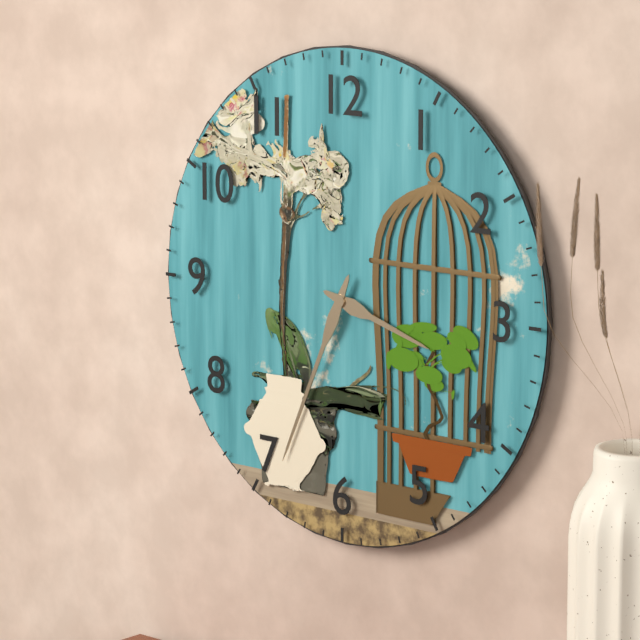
**3:34**
